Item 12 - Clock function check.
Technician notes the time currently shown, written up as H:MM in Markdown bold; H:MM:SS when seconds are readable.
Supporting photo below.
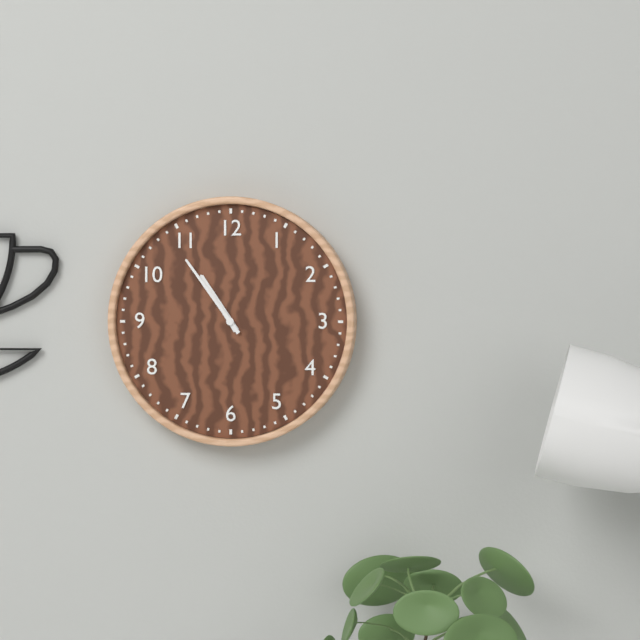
**10:54**
